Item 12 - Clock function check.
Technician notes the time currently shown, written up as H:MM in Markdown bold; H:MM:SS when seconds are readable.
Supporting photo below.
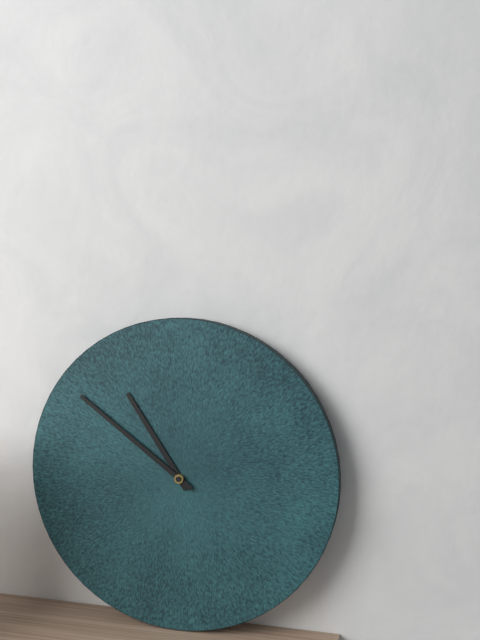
**10:51**
